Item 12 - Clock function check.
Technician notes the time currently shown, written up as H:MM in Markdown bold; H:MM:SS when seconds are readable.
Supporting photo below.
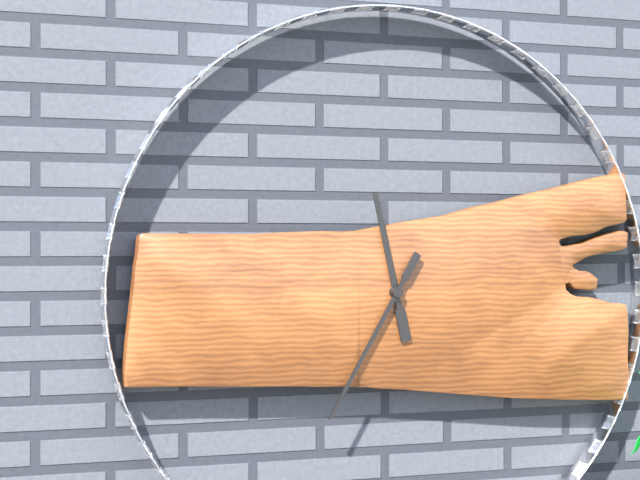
**11:35**
